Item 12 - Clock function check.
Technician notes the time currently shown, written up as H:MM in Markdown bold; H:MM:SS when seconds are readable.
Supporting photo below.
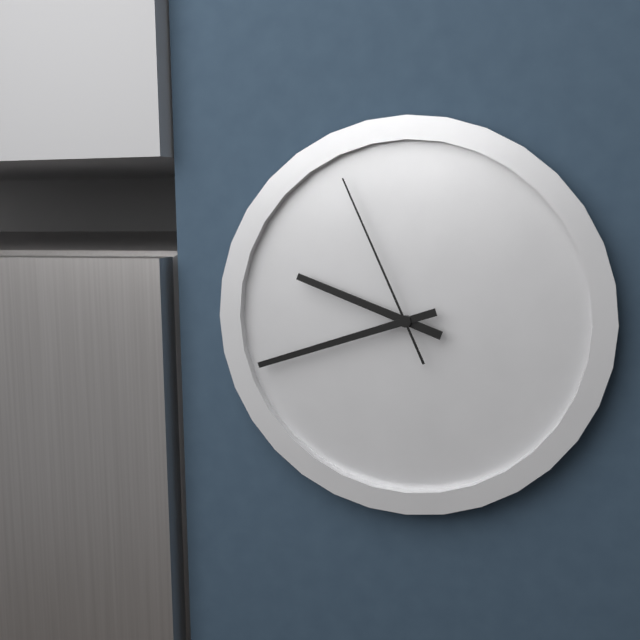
**9:42:56**
